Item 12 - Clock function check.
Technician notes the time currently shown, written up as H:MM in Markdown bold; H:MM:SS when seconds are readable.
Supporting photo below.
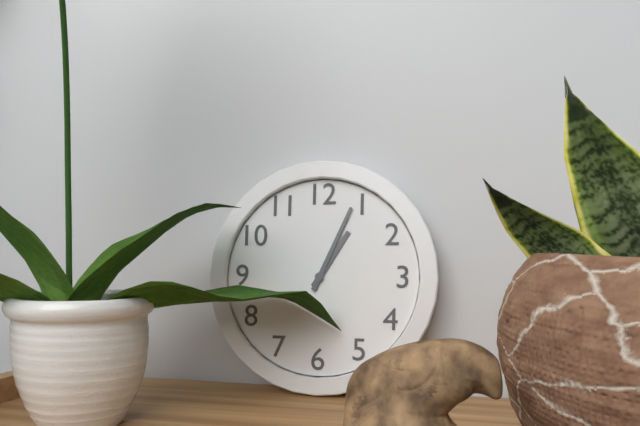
**1:04**
